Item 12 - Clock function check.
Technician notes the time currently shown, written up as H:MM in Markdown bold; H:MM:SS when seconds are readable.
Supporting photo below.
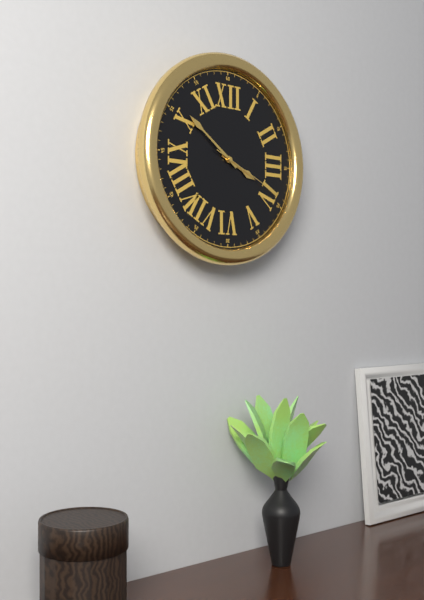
**3:51:19**
